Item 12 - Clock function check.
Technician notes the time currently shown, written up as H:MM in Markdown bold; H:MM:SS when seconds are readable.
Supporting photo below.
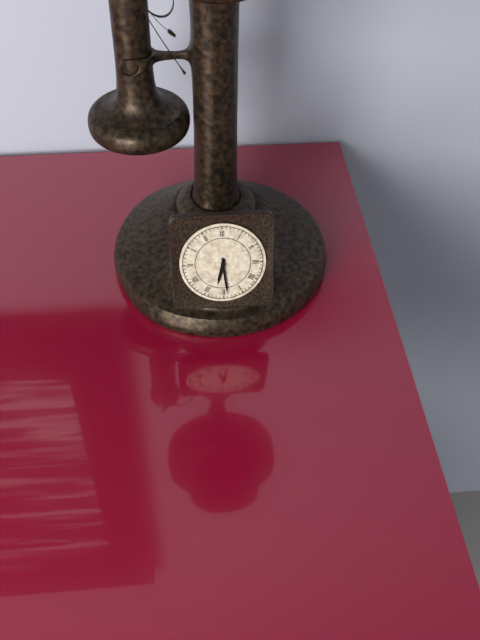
**6:29**
